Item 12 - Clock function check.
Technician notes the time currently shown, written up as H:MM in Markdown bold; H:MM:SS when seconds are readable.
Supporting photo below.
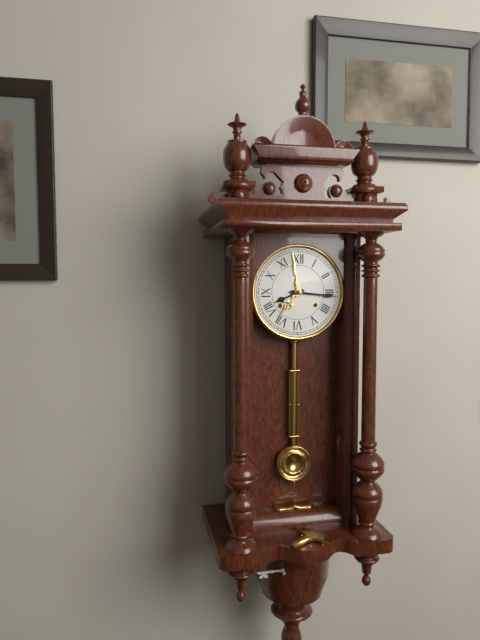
**8:16**
